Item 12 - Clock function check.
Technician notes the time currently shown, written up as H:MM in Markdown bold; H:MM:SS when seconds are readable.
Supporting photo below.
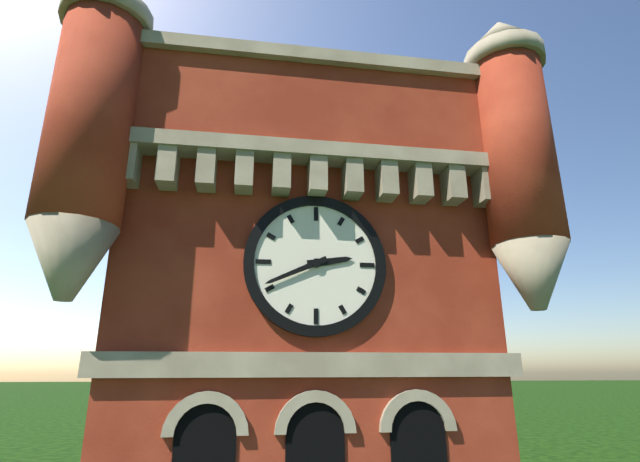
**2:41**
